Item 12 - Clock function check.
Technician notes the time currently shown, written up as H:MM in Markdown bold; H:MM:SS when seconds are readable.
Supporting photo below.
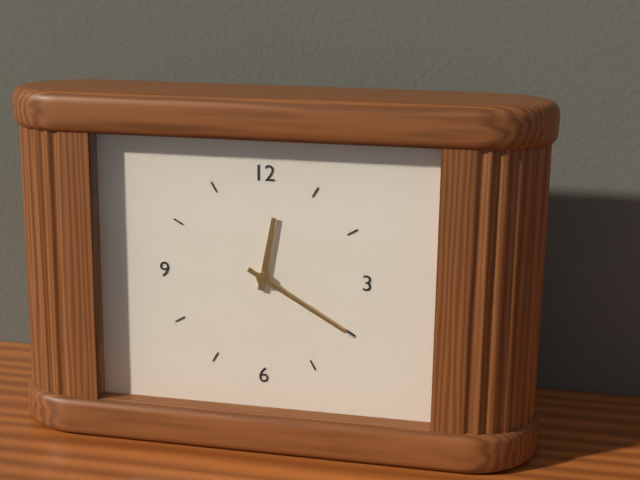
**12:20**
